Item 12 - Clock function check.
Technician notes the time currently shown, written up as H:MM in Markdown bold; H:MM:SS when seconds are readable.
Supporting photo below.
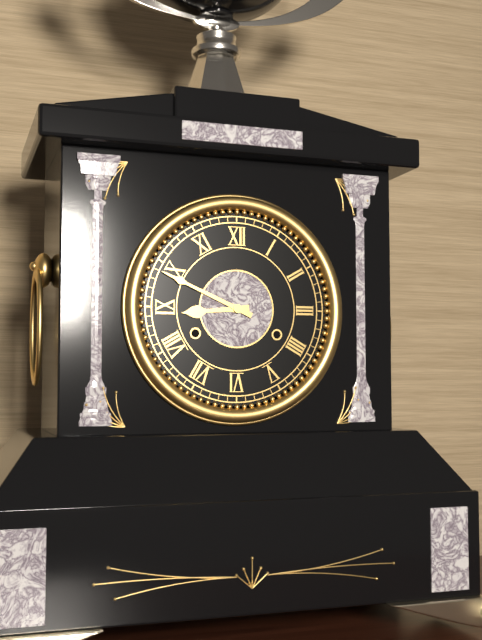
**8:49**
